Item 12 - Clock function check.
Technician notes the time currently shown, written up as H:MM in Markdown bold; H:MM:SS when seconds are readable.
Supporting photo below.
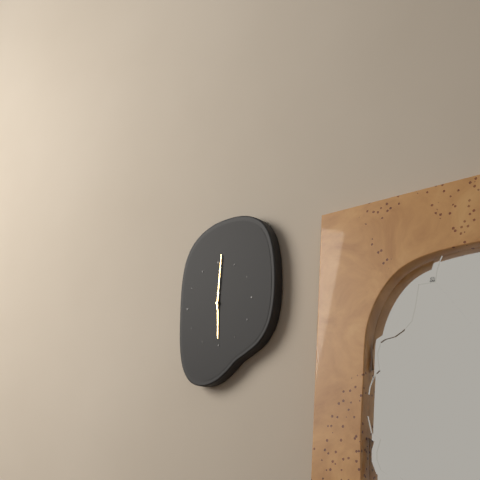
**6:01**
